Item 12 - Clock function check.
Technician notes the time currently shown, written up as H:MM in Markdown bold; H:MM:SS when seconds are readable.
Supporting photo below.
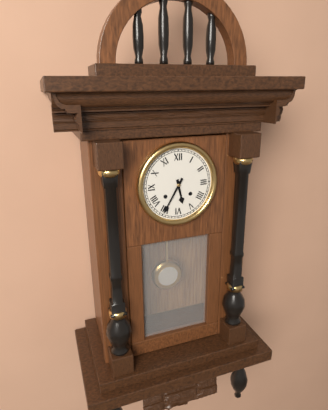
**5:35**
